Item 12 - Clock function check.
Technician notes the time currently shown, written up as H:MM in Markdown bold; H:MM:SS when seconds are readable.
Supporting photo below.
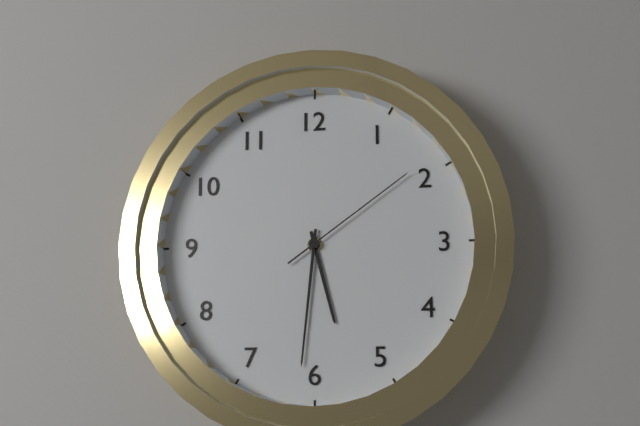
**5:31:09**
